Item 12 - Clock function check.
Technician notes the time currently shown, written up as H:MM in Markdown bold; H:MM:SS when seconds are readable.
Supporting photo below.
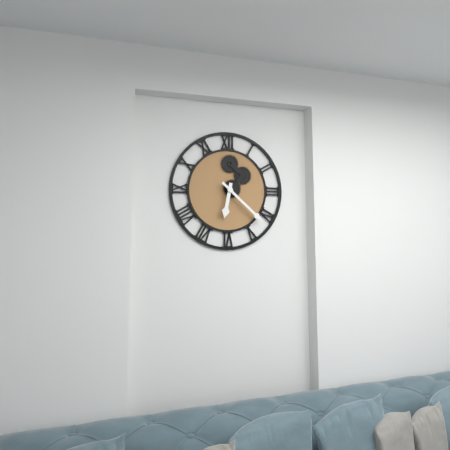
**6:22**
